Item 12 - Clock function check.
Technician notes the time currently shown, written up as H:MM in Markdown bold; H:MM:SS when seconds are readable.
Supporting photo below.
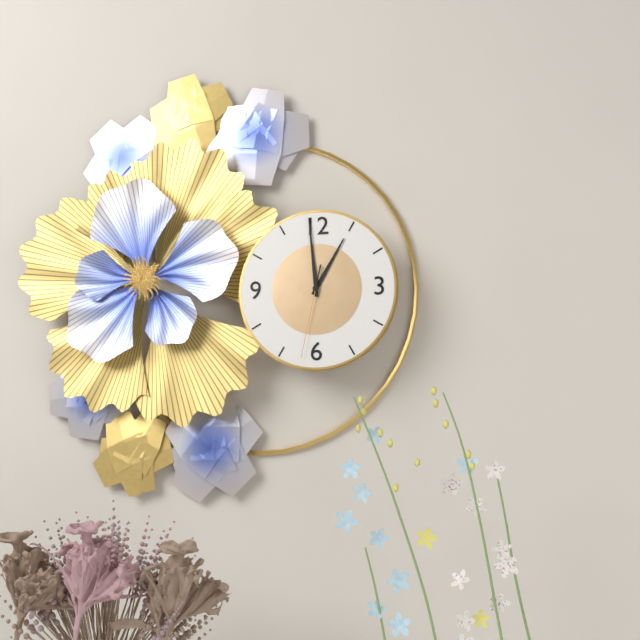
**12:59:32**
